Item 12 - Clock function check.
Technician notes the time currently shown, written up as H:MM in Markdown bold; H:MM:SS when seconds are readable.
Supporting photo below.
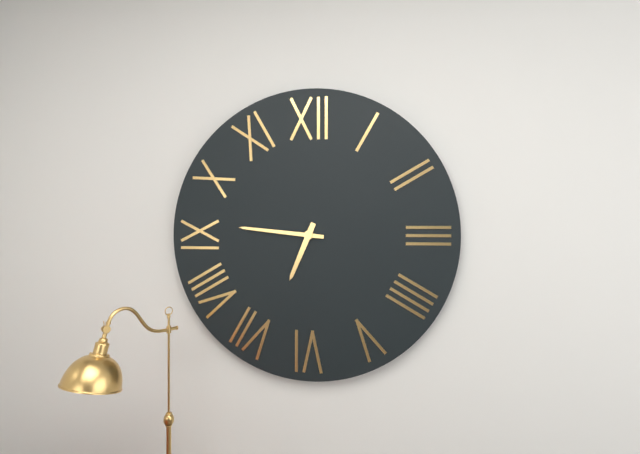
**6:46**
